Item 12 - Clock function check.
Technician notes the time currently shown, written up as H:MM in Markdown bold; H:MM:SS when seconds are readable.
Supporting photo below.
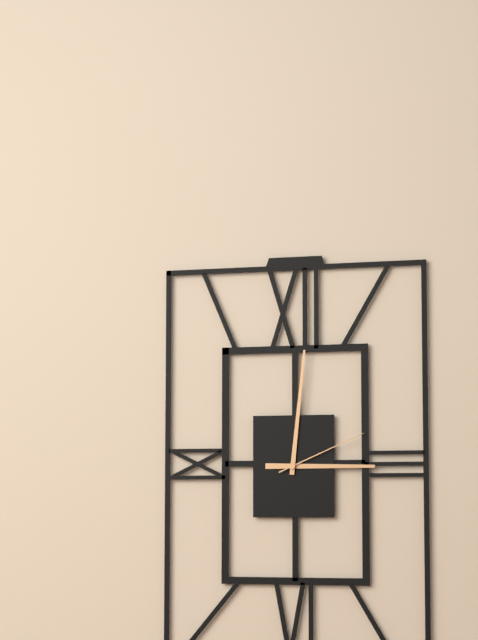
**3:01:11**
